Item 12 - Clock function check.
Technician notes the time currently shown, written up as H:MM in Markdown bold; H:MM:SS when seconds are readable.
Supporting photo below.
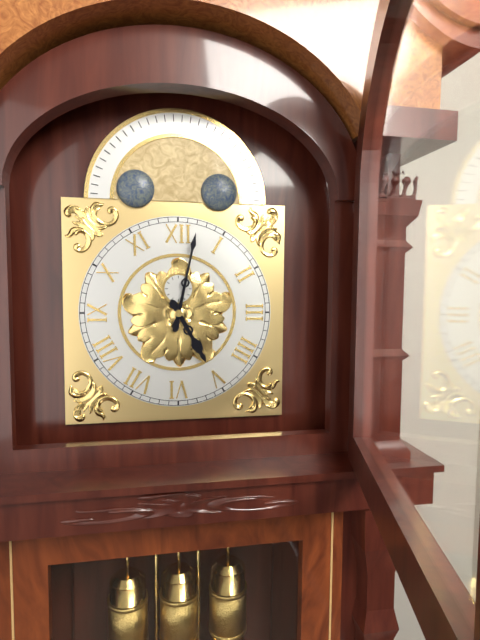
**5:02**
